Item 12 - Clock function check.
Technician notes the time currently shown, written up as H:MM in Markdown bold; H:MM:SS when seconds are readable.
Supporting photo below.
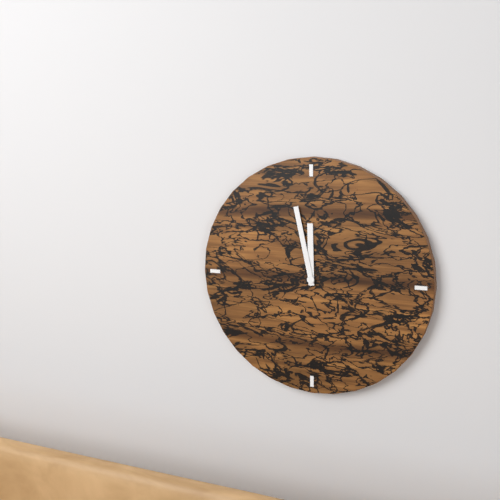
**11:58**
